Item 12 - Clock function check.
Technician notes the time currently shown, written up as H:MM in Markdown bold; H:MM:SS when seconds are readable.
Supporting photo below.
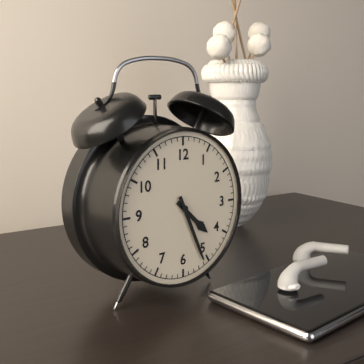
**4:26**
